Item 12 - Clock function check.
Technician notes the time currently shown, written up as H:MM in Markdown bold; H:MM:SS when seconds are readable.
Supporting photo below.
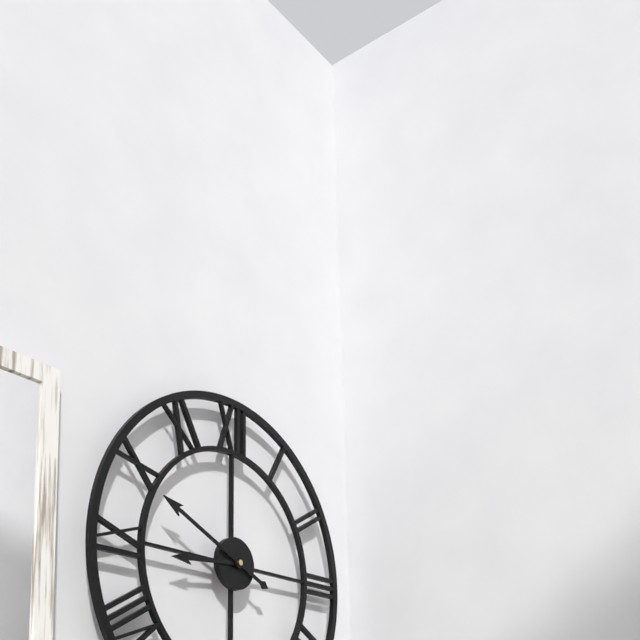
**8:49**
